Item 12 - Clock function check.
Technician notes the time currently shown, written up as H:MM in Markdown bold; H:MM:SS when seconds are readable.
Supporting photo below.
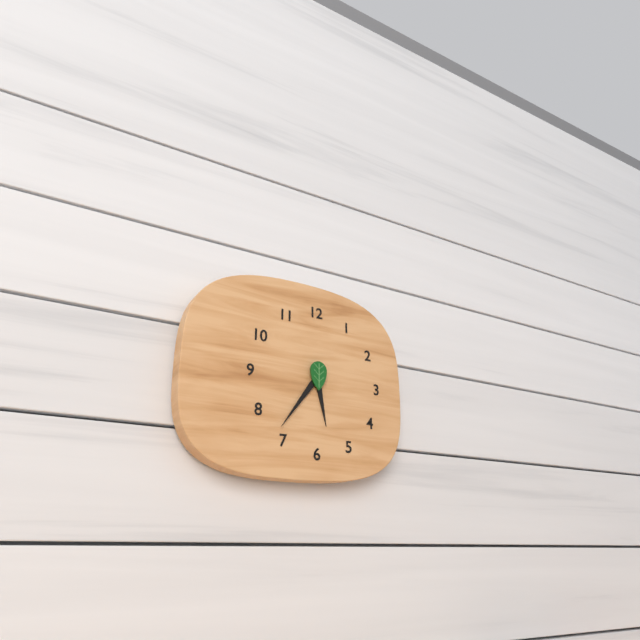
**5:36**
